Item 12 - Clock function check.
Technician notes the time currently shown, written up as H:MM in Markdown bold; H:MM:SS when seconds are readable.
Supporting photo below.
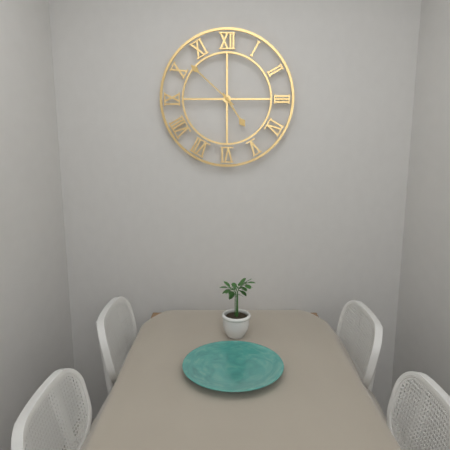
**4:52**
